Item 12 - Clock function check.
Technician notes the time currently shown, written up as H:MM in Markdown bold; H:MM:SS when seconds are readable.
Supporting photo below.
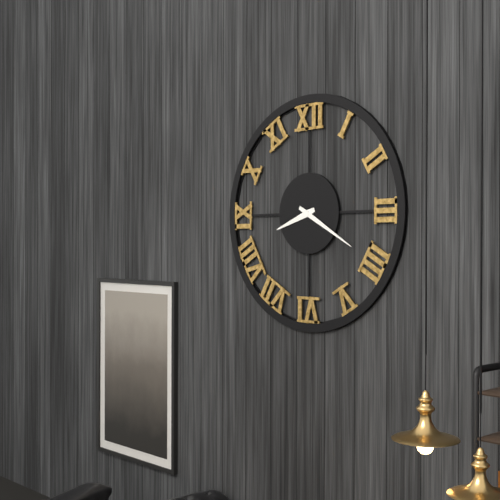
**8:20**
